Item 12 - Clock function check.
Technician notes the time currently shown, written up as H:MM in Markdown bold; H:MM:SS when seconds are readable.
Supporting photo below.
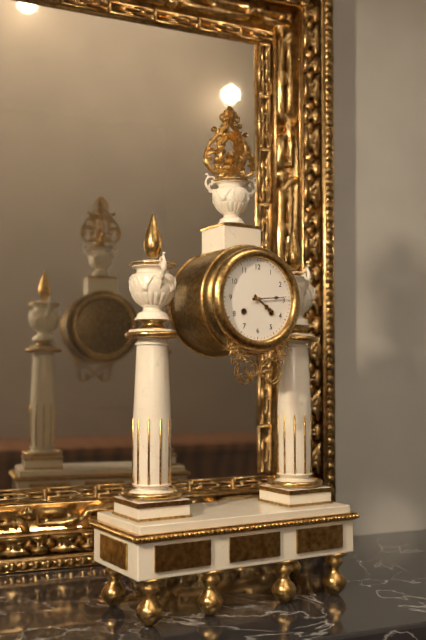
**4:14**
